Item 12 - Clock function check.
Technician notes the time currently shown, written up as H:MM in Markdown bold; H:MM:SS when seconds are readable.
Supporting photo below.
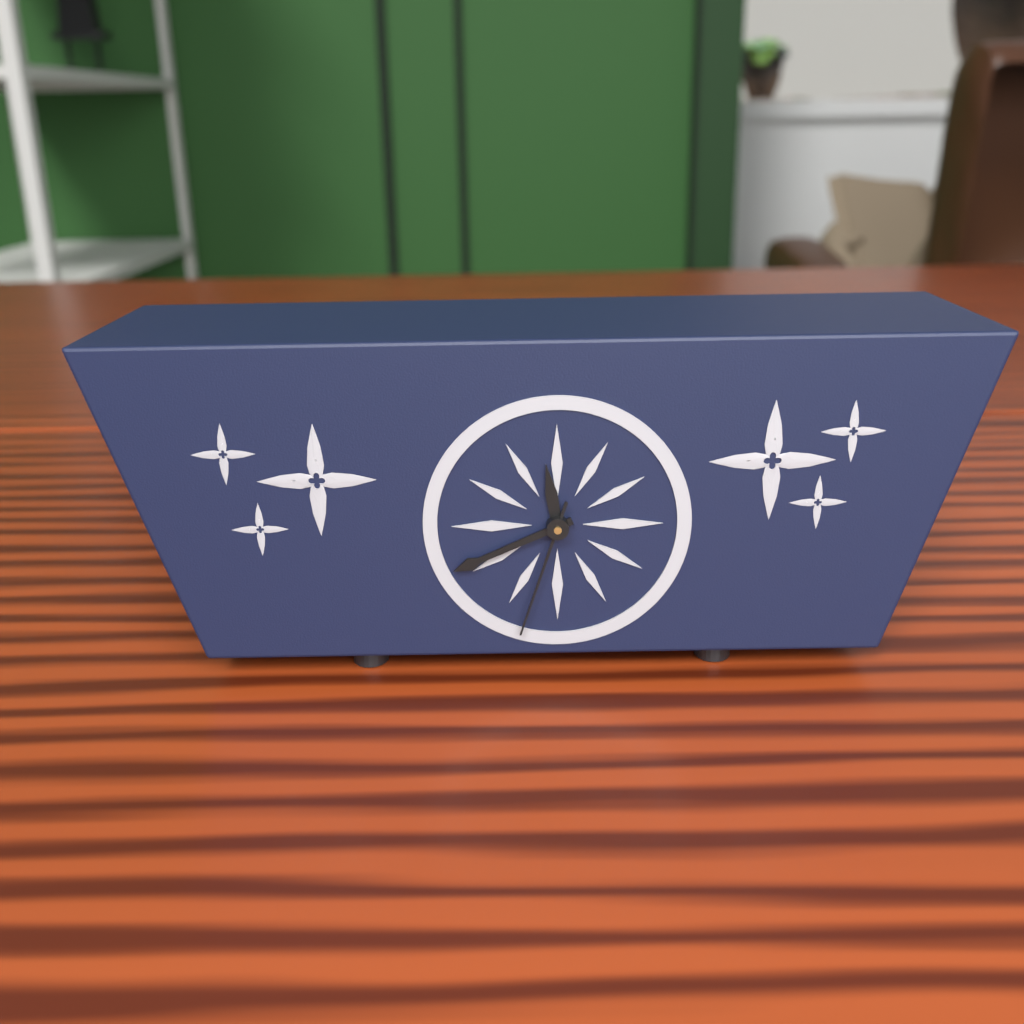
**11:41:33**
